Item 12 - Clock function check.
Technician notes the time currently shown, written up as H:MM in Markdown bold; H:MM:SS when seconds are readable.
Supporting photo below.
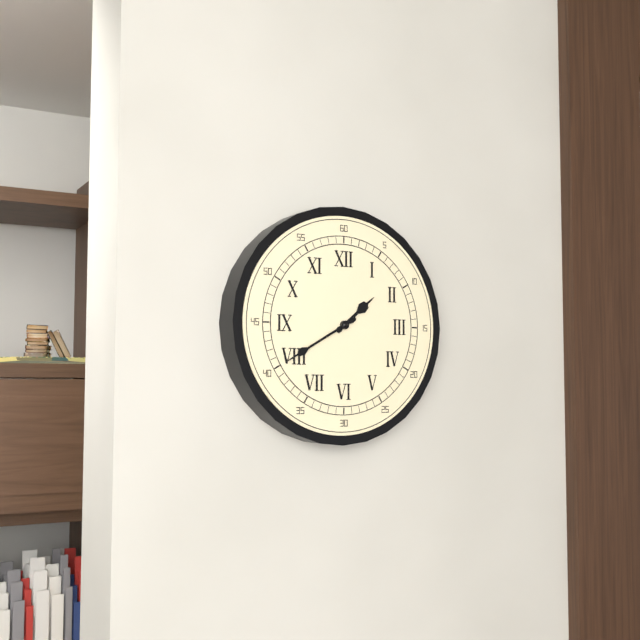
**1:40**
